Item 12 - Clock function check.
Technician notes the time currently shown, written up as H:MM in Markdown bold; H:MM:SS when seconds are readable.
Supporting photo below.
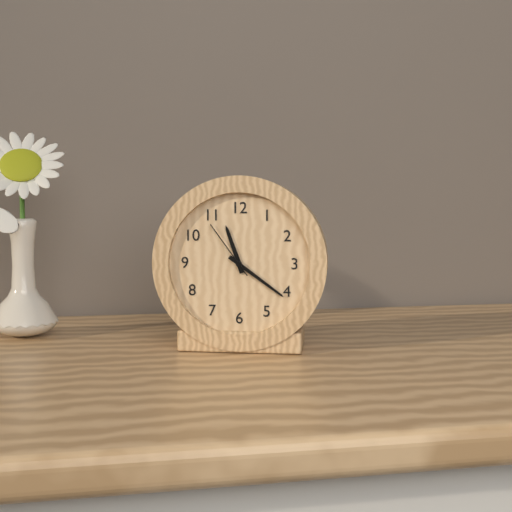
**11:21:54**
